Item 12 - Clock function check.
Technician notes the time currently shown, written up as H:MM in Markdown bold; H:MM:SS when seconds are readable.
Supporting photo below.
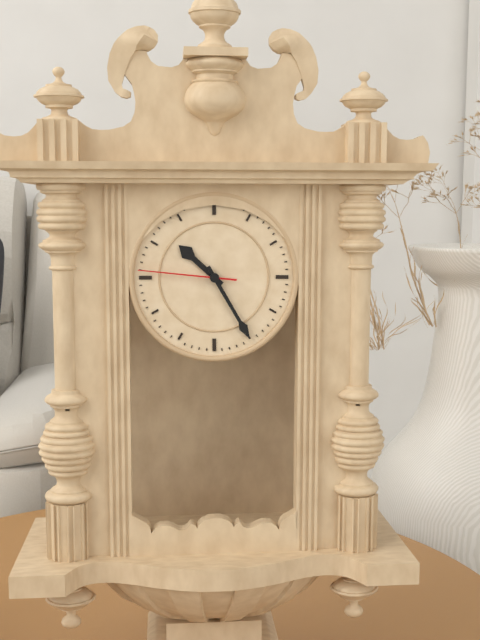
**10:25:46**
